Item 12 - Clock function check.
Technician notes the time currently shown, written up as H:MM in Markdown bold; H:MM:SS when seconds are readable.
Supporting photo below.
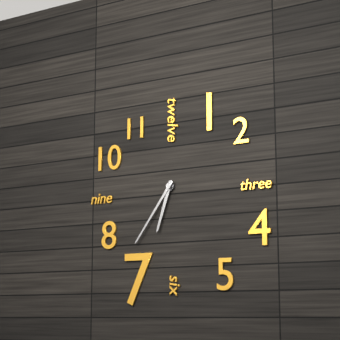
**6:36**
